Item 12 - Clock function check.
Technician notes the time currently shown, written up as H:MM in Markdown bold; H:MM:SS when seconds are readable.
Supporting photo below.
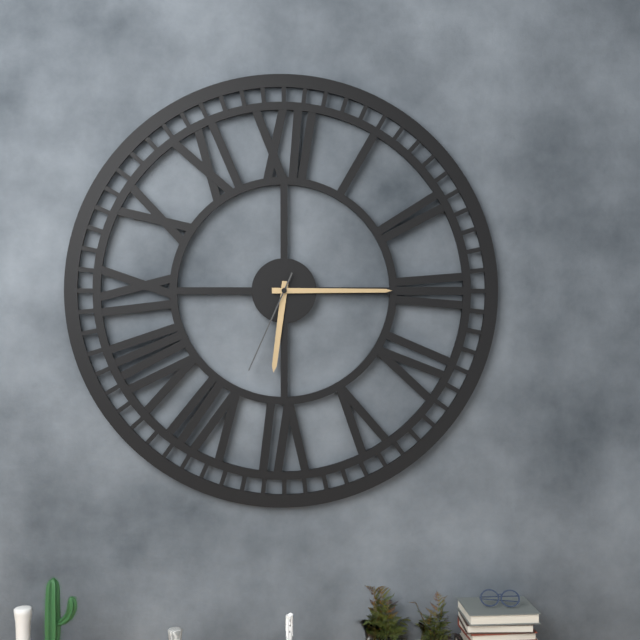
**6:15:34**
